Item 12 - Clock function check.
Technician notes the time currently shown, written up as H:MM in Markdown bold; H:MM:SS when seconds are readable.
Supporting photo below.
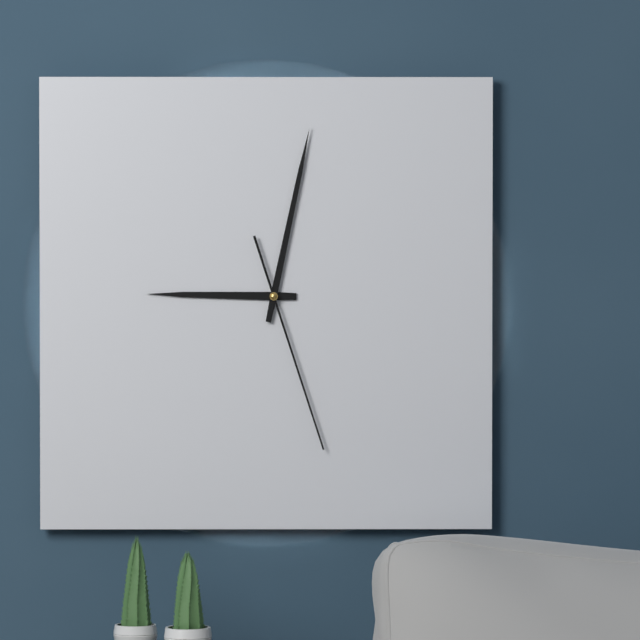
**9:02:27**
